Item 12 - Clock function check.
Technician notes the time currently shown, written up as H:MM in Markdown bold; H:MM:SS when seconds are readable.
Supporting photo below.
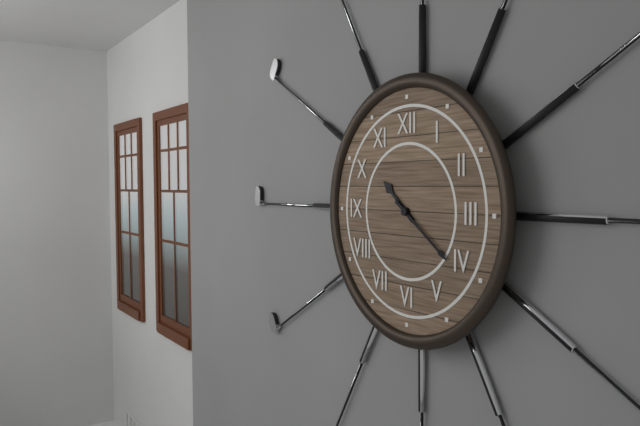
**10:21**
